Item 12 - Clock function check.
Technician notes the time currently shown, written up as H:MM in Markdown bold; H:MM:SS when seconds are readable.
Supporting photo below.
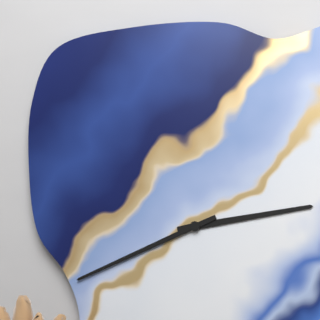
**2:41**
